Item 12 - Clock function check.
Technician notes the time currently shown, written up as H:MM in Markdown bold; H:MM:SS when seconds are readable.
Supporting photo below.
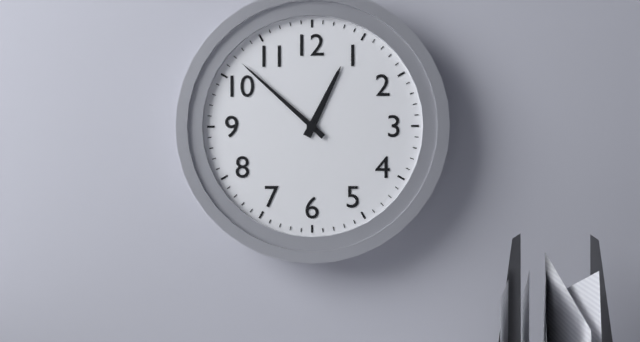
**12:52**
